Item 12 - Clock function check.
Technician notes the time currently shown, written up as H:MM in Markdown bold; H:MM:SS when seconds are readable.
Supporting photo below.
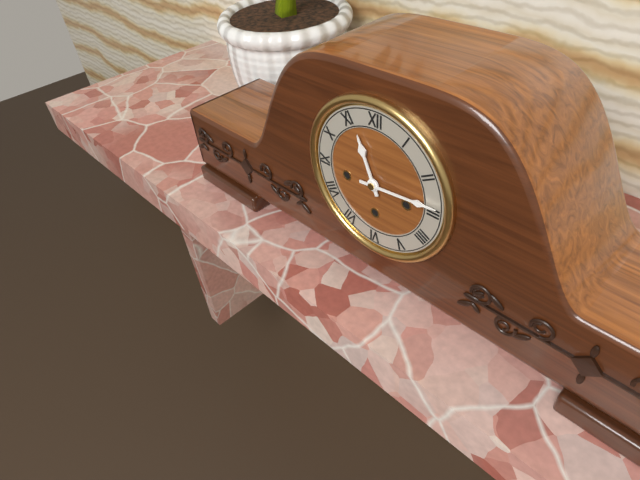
**11:14**
